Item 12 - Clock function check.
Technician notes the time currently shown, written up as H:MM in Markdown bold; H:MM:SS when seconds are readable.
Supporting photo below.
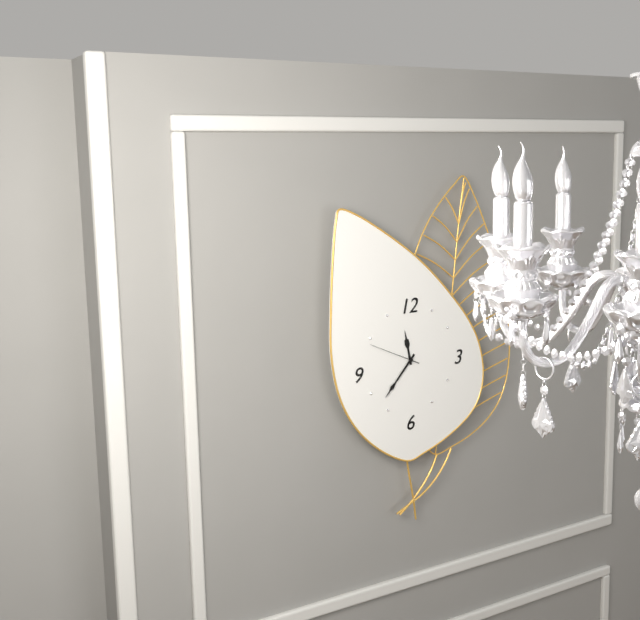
**11:37:49**
